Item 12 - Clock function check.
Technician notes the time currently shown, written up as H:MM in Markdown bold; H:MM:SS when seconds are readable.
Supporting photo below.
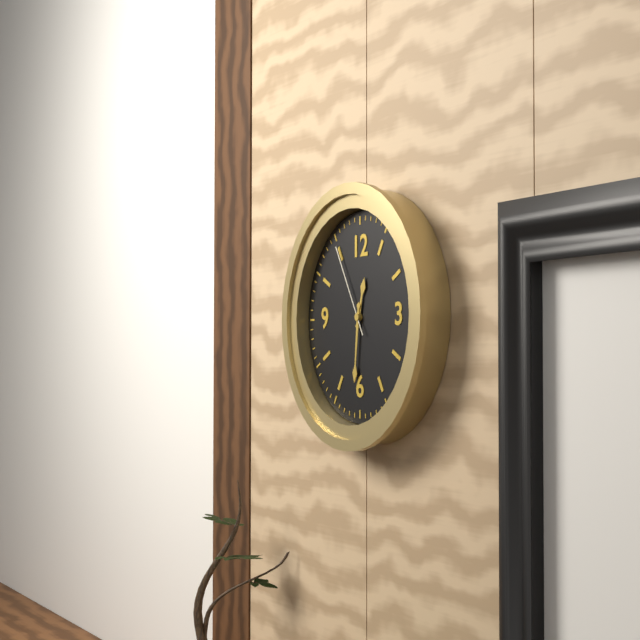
**12:31:55**
